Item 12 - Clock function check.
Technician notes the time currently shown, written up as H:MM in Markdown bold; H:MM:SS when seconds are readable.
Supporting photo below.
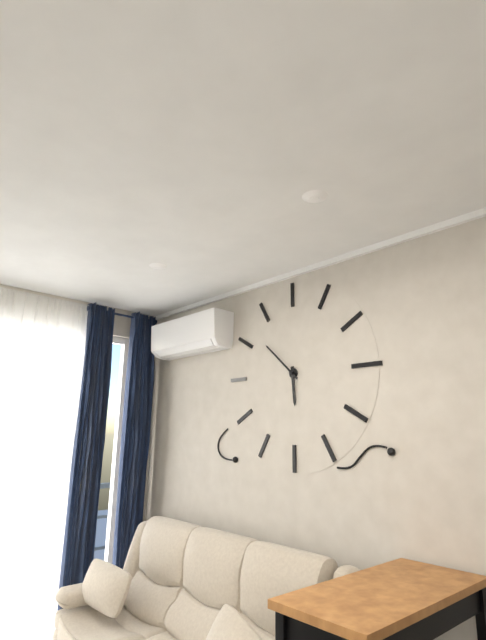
**5:52**
